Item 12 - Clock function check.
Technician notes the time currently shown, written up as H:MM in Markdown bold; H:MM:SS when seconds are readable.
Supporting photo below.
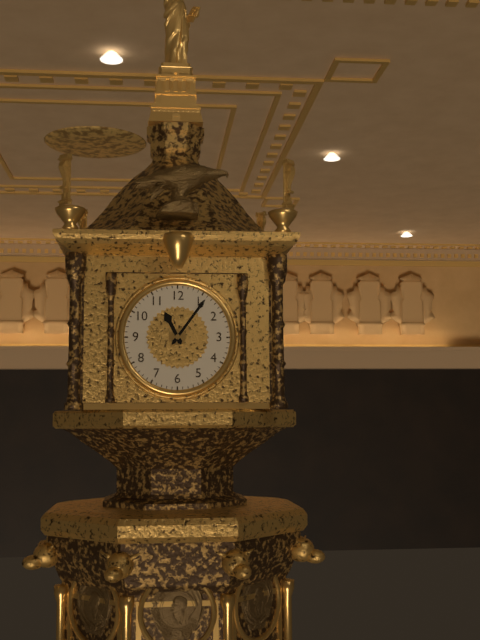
**11:06**
